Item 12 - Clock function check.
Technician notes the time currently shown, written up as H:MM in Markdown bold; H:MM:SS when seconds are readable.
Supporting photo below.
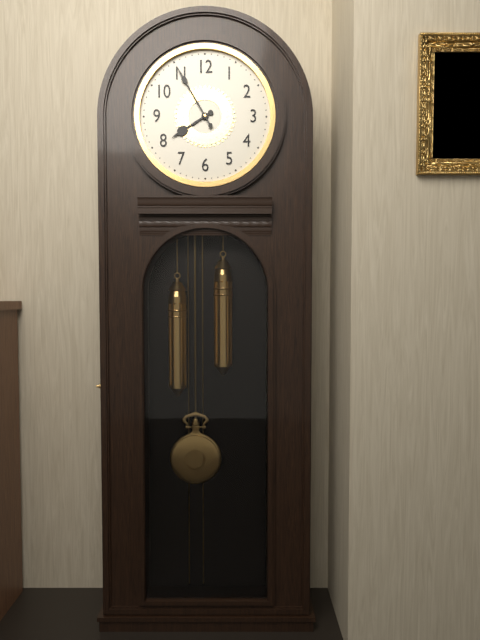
**7:55**
